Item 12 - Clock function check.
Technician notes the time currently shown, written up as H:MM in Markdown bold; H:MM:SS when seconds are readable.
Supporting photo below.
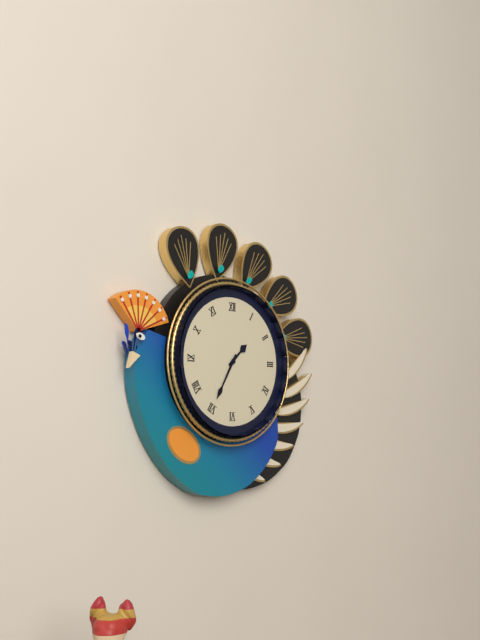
**1:35**
